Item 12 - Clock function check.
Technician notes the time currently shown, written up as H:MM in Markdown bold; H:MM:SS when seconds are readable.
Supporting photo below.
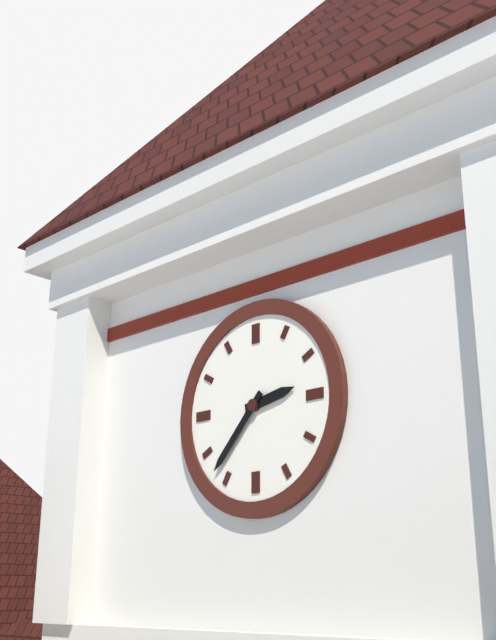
**2:37**
